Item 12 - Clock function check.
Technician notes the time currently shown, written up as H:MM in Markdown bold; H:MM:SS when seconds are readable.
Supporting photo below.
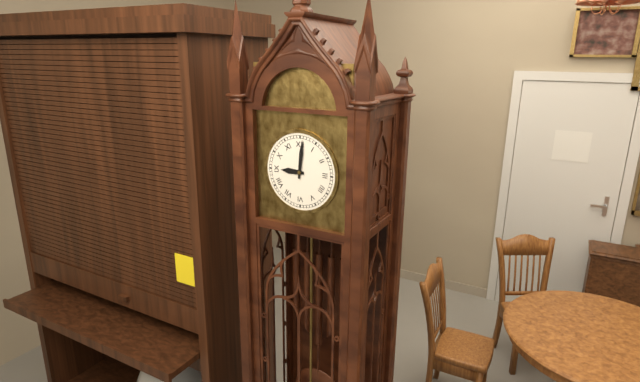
**9:01**
